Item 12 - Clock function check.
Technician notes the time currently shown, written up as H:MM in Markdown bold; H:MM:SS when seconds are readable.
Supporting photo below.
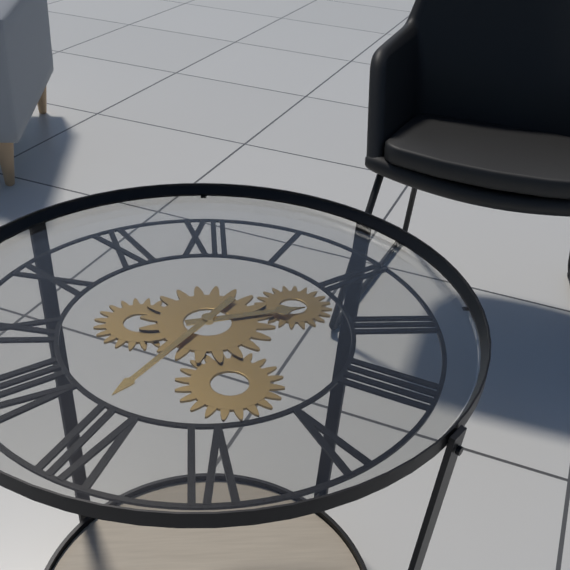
**2:36**
